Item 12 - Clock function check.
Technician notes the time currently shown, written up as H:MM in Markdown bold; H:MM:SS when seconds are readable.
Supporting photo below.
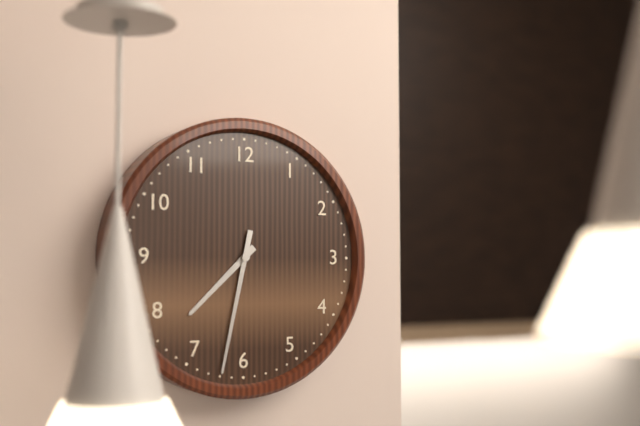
**7:32**
